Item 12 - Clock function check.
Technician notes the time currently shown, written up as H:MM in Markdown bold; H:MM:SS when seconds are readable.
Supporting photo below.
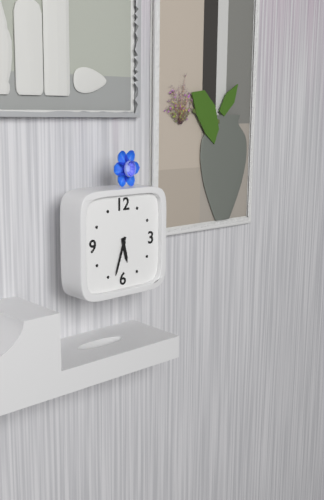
**5:33**
